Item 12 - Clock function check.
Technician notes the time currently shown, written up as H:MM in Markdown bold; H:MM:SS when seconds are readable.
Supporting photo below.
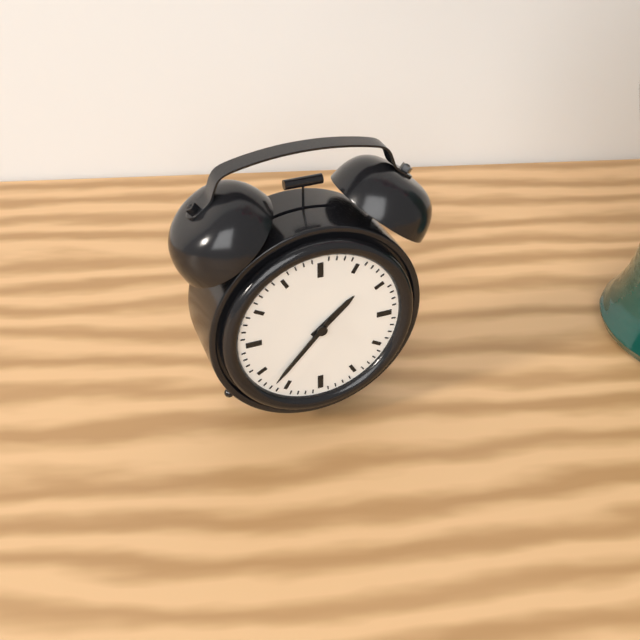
**1:37**
